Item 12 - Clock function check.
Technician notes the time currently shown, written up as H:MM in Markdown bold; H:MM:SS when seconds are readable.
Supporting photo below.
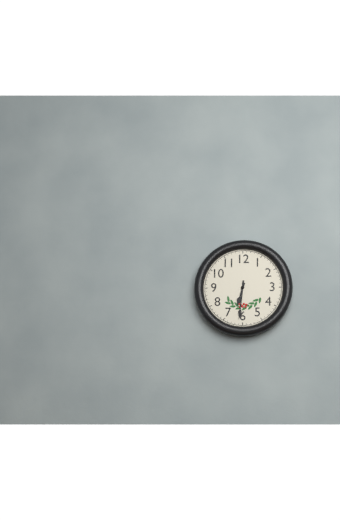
**6:31**
